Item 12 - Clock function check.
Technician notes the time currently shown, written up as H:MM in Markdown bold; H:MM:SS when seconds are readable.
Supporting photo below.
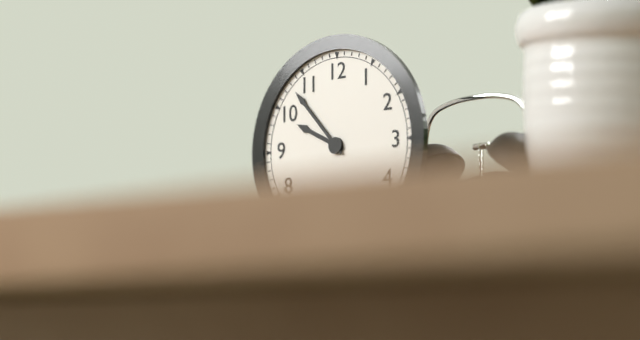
**9:53**
